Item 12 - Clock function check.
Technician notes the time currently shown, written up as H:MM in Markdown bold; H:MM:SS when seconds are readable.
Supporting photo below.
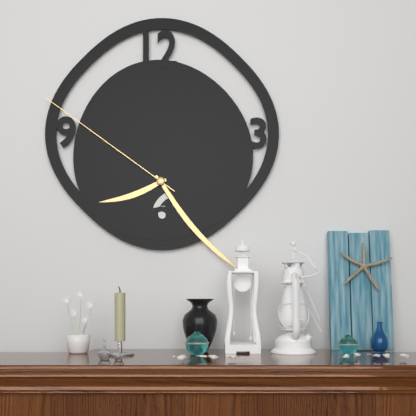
**8:23:51**
